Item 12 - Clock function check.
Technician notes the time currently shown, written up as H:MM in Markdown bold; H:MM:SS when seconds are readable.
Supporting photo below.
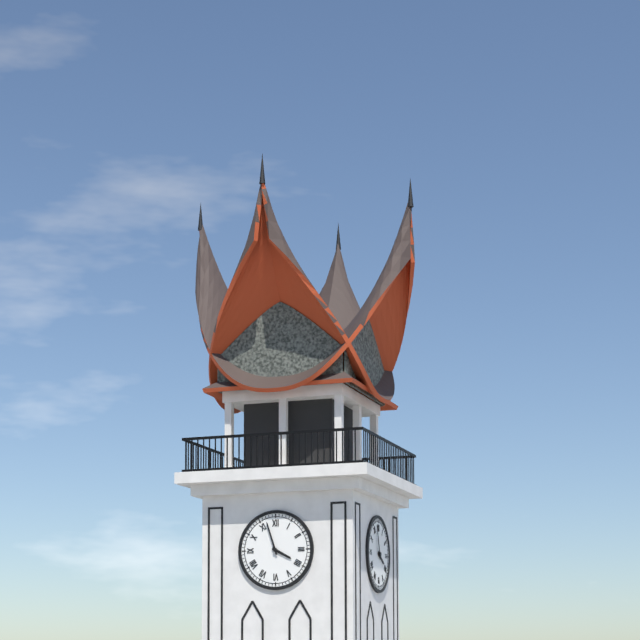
**3:57**
